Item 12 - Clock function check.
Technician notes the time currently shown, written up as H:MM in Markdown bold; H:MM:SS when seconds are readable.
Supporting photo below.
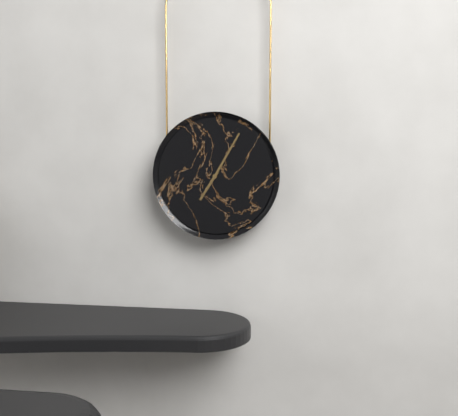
**7:05**
